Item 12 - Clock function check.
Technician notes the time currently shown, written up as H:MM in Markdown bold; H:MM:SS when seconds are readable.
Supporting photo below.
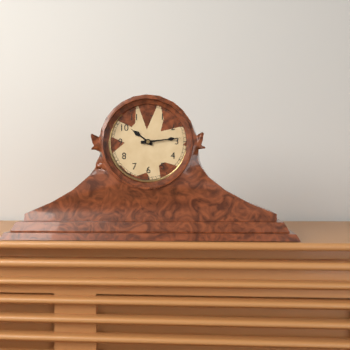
**10:14**
